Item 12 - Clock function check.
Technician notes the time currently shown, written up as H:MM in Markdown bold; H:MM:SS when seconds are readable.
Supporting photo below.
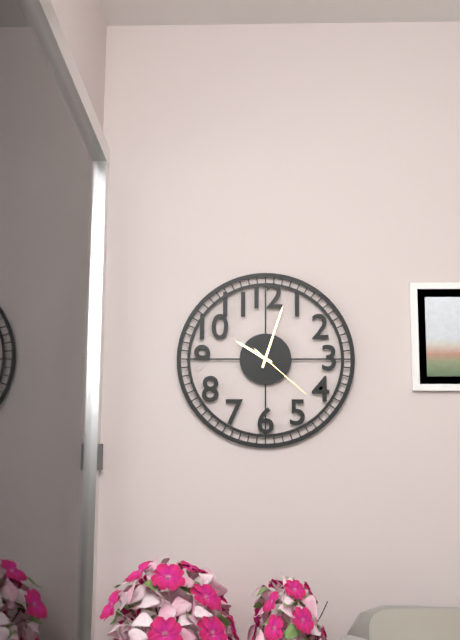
**10:03:22**
